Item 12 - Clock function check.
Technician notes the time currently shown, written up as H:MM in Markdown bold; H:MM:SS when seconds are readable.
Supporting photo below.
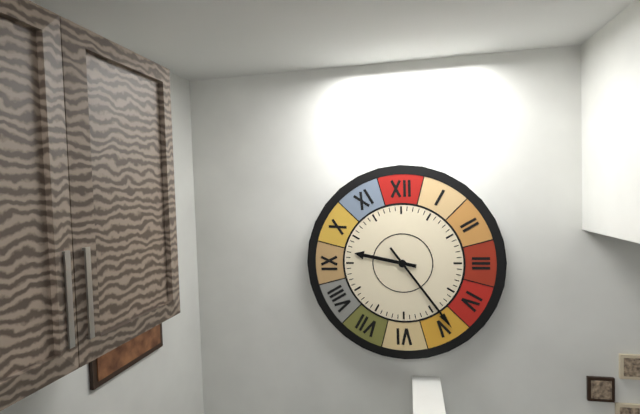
**9:24**
